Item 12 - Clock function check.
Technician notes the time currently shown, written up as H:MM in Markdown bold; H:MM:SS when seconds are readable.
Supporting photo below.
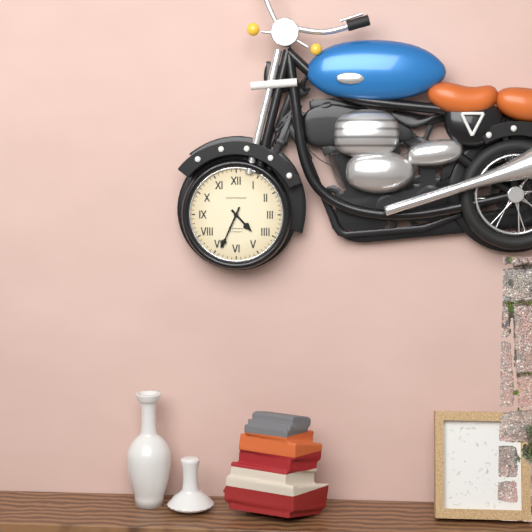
**4:34**
